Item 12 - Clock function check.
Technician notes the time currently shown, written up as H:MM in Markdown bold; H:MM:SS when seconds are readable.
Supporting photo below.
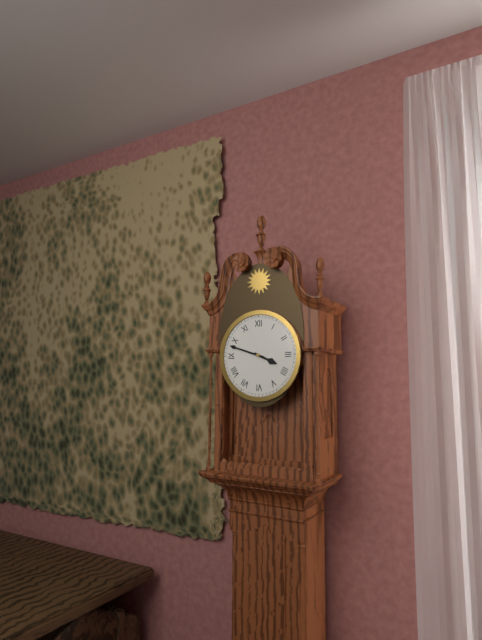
**3:48**
